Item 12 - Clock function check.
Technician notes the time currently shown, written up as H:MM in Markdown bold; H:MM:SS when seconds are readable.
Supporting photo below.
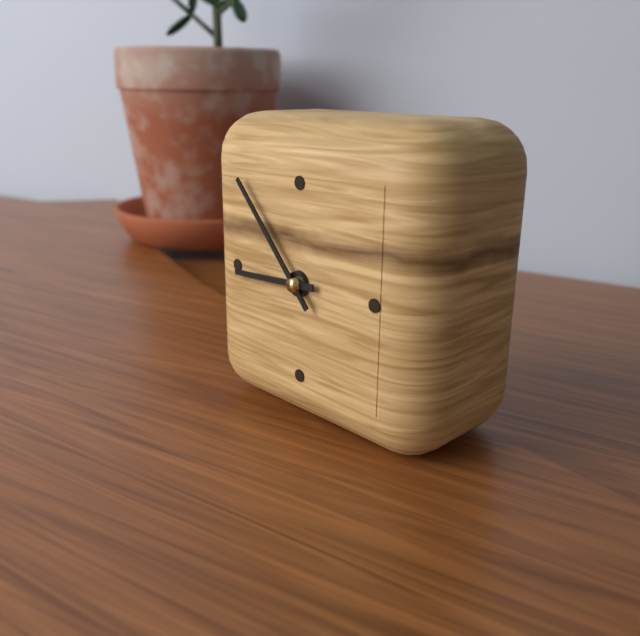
**8:53**
